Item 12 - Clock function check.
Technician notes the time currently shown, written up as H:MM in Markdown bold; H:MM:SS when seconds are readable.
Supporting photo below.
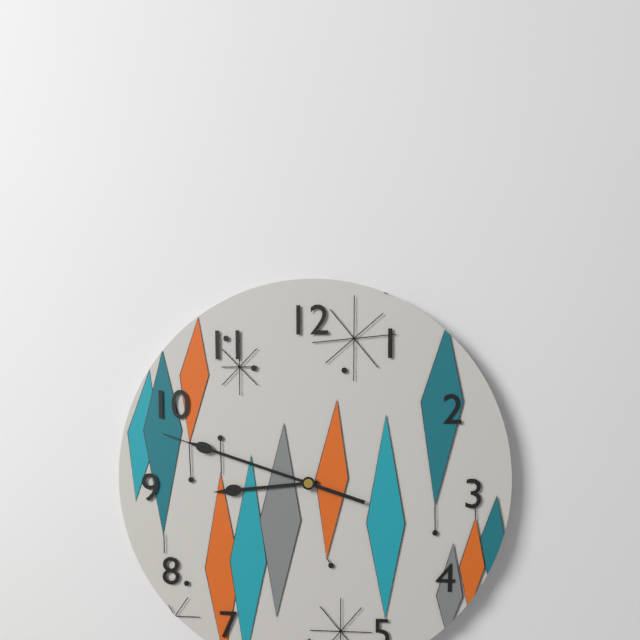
**8:48:48**
